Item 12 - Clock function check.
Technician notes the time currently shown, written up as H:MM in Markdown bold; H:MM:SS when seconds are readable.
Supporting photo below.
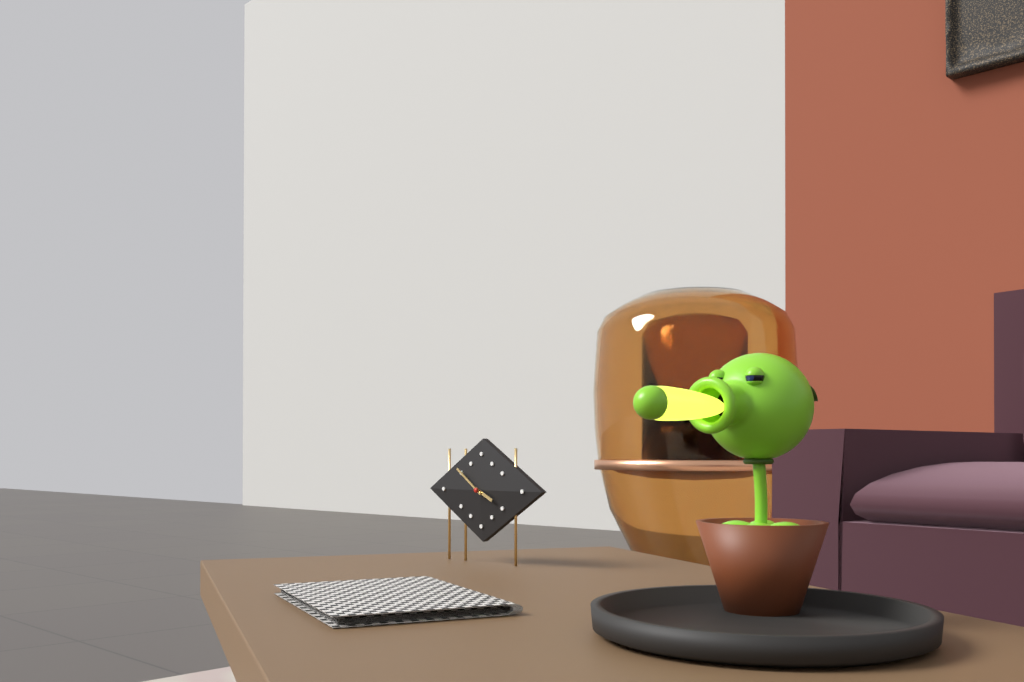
**3:51**
